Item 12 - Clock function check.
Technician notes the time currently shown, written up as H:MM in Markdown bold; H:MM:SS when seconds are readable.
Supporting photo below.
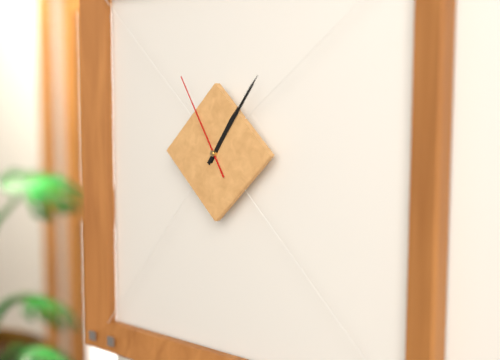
**1:06:55**
